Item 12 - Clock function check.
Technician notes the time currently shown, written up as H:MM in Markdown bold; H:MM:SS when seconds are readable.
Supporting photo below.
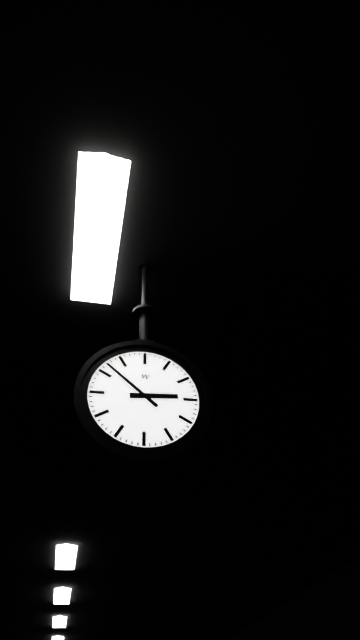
**2:52**
